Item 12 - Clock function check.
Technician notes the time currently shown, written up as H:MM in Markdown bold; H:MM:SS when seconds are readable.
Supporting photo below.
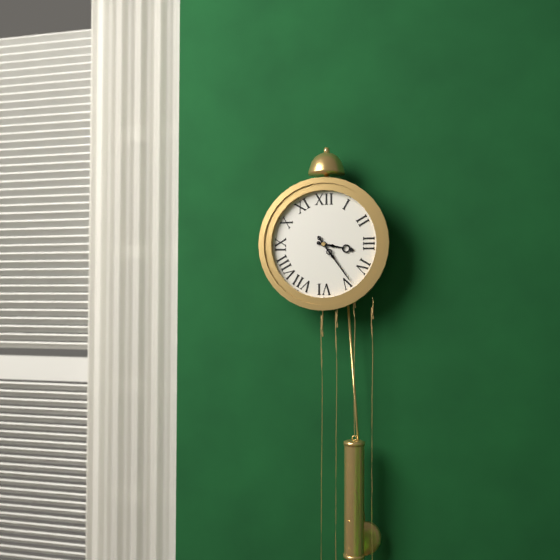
**3:24**
